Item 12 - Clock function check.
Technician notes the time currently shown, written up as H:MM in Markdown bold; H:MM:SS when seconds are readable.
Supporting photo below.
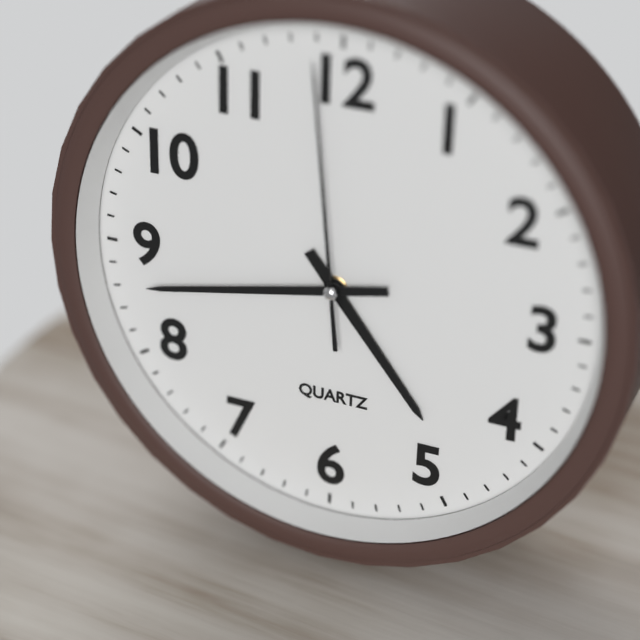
**4:43:59**
